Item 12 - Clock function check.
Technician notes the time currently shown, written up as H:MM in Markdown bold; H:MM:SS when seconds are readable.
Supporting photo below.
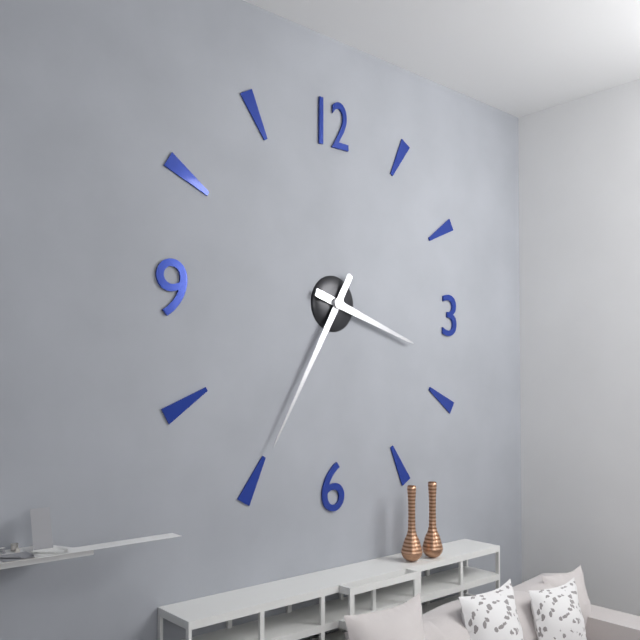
**3:35**
